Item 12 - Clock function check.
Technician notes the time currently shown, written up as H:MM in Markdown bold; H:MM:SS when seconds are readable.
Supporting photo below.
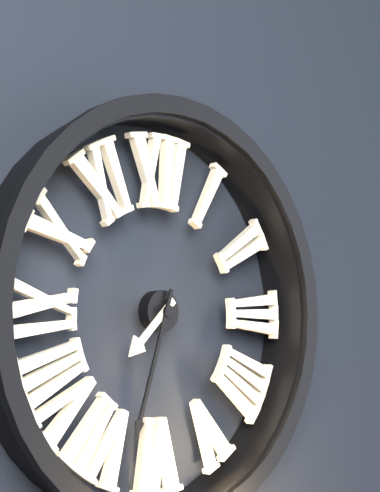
**7:33**
